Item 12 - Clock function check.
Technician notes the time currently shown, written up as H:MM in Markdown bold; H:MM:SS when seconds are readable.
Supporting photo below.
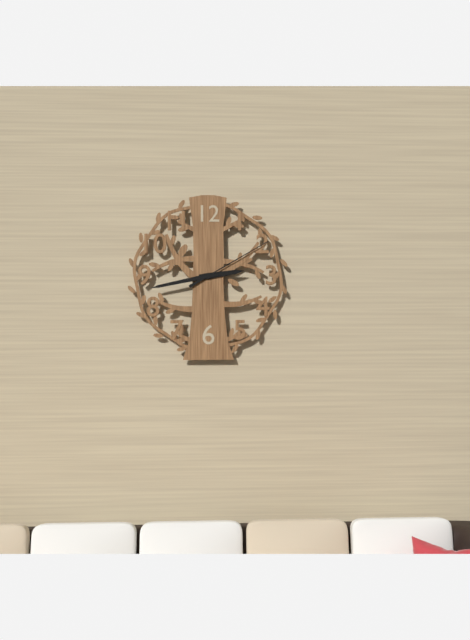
**2:43:10**
